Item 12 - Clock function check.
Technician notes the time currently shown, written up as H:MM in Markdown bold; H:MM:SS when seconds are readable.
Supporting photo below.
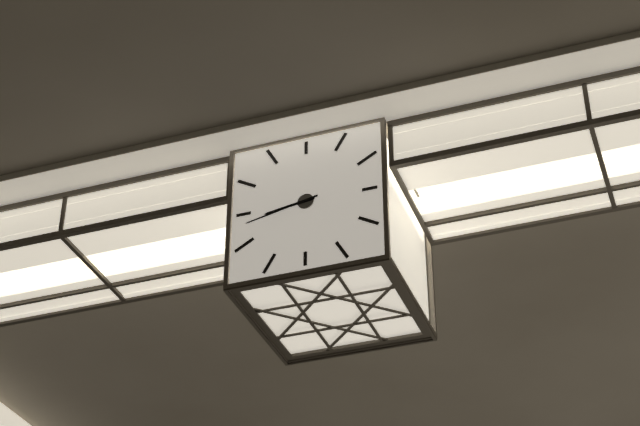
**8:43**
